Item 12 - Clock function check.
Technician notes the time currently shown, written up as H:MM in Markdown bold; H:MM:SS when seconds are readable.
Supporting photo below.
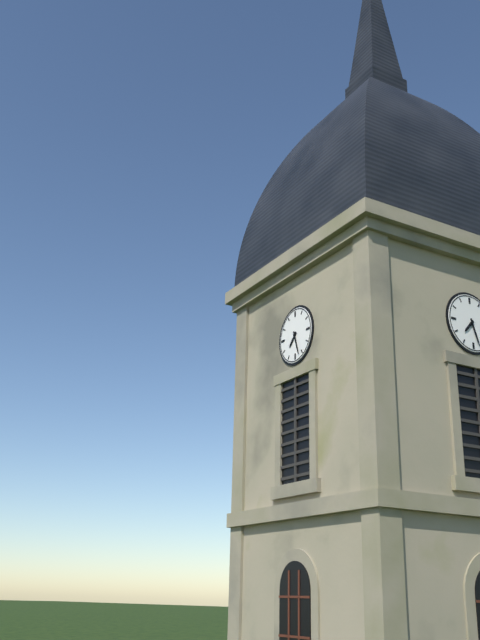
**7:27**
